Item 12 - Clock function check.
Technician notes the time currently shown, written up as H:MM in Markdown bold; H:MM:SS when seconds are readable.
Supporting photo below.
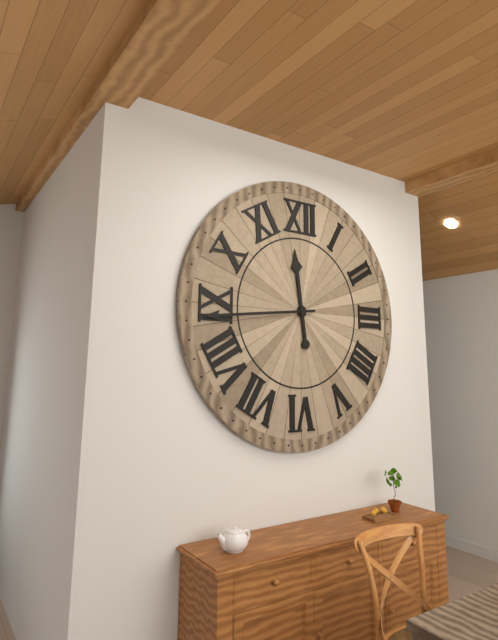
**11:44**
